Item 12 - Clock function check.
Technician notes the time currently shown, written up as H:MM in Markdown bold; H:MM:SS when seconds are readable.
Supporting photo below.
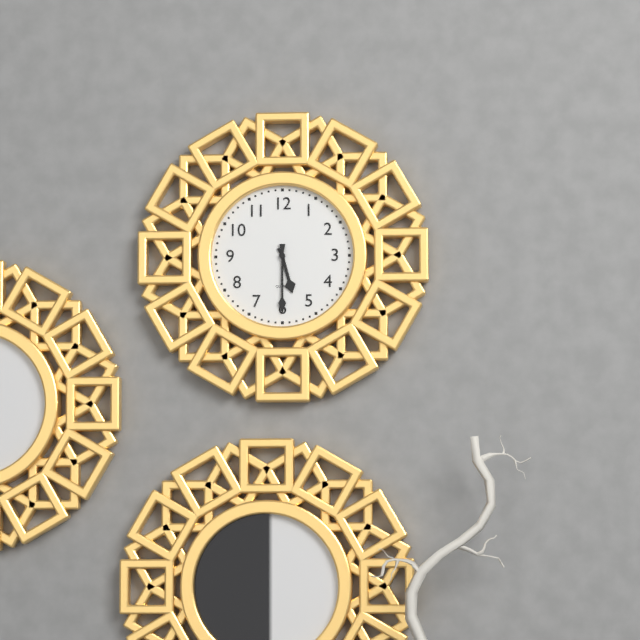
**5:30**
